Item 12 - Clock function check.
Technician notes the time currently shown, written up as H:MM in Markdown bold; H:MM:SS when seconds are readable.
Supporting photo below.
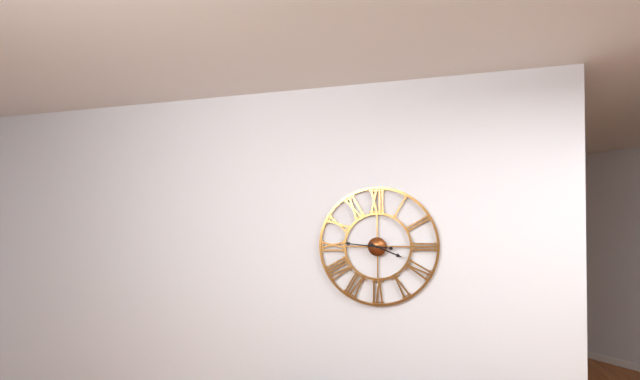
**3:46**
